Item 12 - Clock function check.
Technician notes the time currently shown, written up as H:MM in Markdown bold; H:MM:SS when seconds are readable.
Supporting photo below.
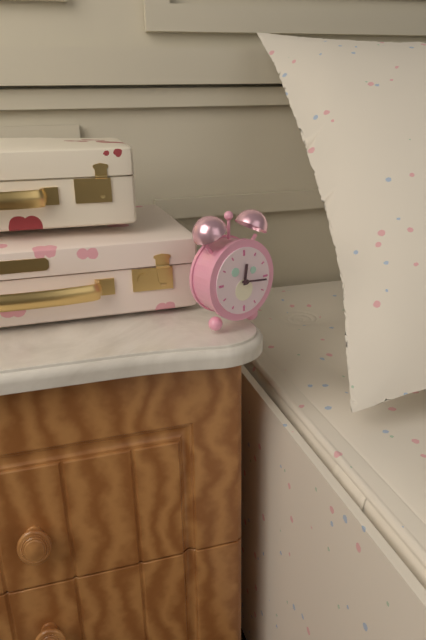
**12:16**
